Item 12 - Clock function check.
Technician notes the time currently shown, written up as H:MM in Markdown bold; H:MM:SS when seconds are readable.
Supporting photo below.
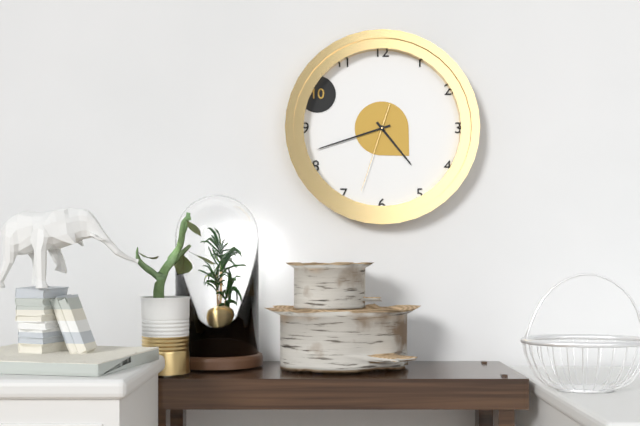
**4:42:33**
